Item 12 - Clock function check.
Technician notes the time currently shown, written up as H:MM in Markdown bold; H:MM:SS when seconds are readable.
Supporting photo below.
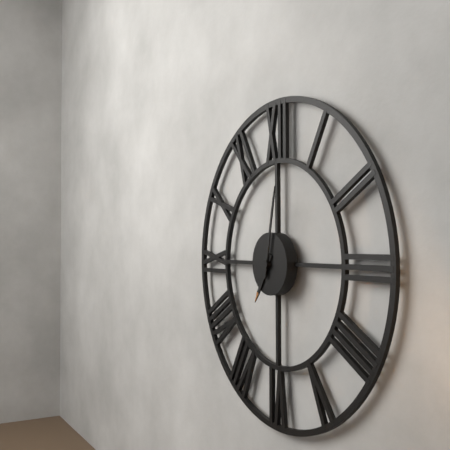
**7:02**
